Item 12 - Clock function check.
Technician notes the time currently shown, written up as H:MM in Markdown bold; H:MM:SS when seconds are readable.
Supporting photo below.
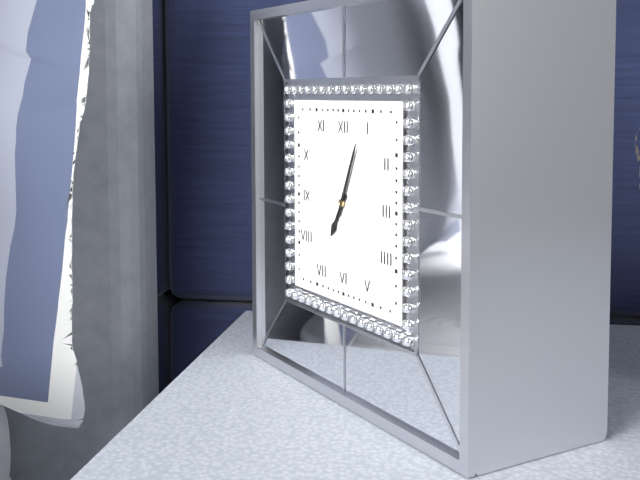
**7:04**
